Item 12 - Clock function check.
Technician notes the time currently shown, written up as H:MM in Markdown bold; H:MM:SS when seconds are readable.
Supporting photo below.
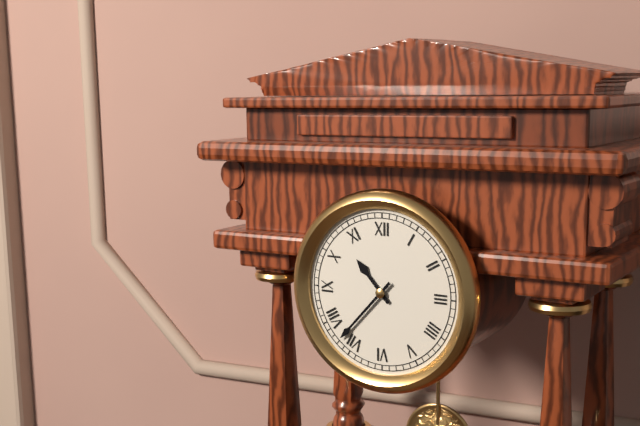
**10:37**
